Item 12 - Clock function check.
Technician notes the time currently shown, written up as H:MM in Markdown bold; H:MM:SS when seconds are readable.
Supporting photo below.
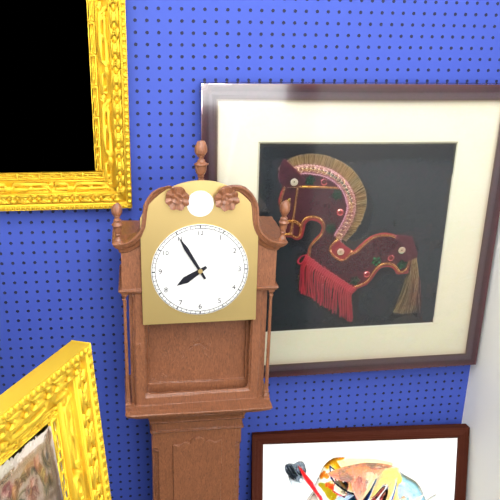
**7:55**
